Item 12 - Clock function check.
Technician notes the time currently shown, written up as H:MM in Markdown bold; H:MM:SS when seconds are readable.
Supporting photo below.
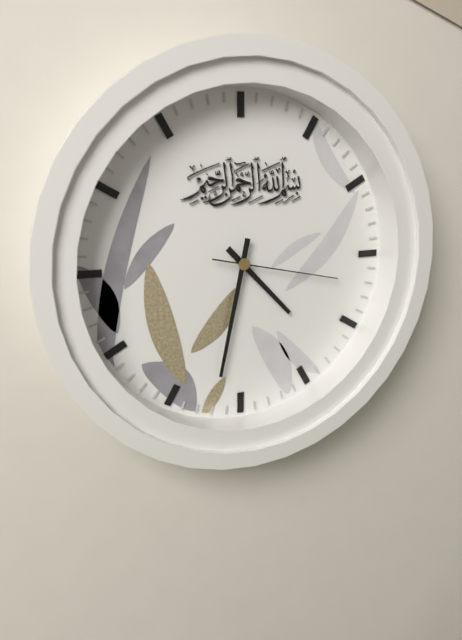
**4:32:17**
